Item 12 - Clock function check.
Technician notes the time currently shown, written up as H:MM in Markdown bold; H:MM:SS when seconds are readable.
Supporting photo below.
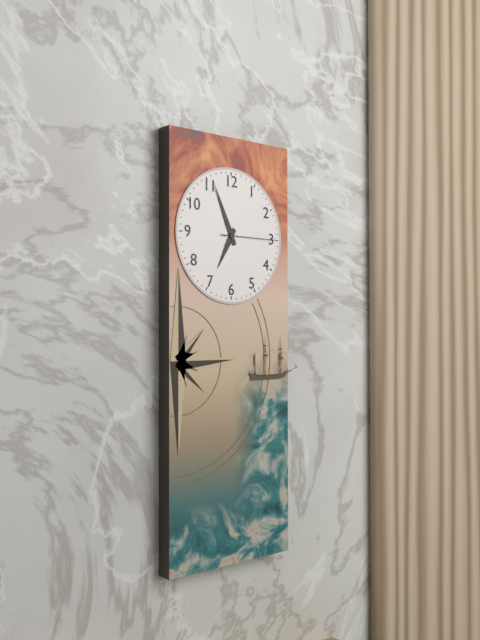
**6:56:15**
